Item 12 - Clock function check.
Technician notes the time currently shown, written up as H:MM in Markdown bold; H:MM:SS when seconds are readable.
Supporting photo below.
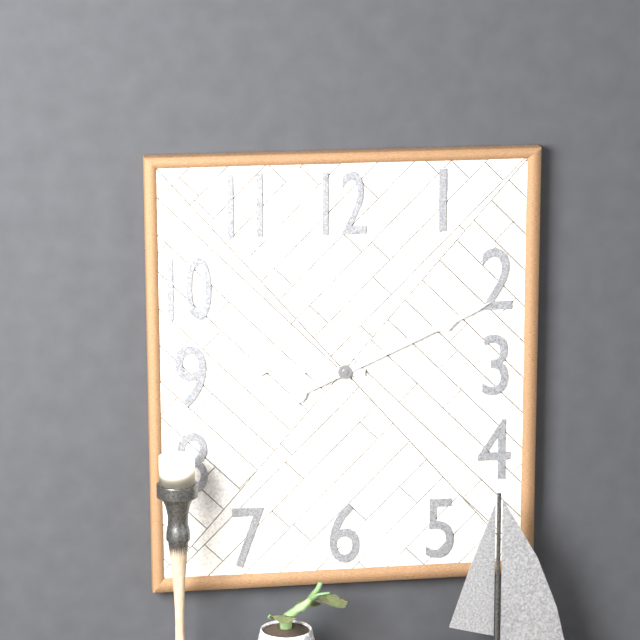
**9:11**
